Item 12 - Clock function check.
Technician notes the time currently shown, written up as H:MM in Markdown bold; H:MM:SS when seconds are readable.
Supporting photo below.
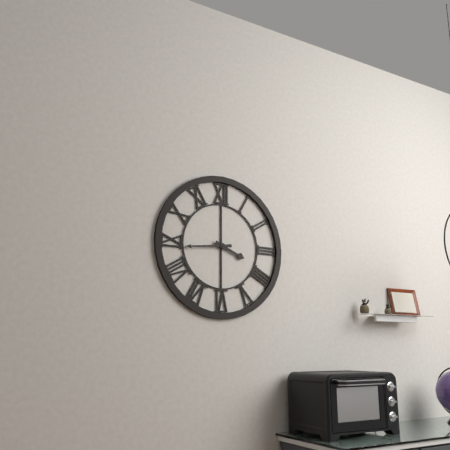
**3:44**
